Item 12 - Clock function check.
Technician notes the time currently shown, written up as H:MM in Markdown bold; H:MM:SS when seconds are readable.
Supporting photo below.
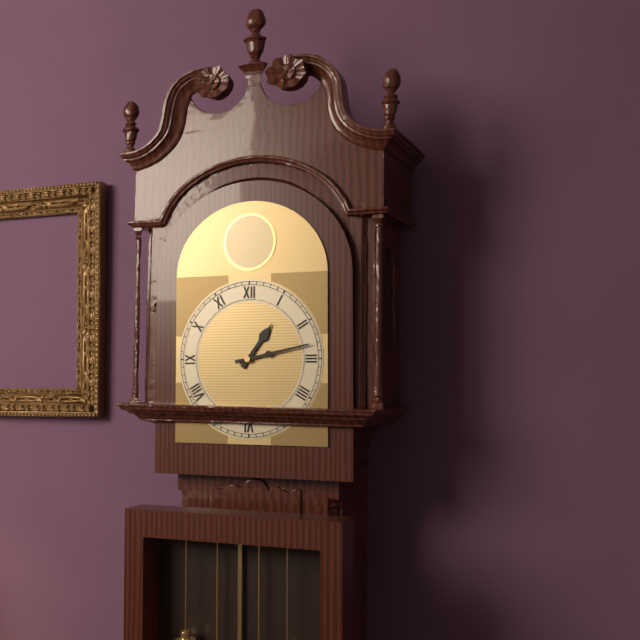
**1:13**
